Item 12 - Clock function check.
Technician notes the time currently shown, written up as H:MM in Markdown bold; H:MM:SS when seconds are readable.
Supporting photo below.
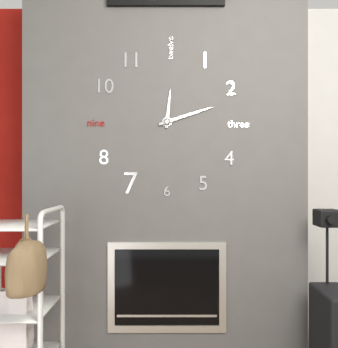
**12:12**
